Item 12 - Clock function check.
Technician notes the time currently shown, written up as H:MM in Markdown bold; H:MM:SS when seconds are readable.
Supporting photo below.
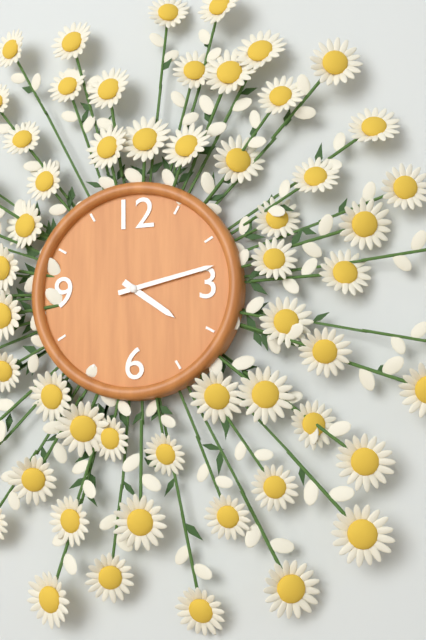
**4:13**
